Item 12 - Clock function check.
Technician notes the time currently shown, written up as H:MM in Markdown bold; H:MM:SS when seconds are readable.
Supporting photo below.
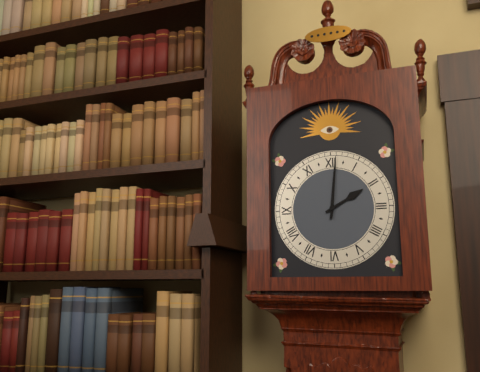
**2:01**
